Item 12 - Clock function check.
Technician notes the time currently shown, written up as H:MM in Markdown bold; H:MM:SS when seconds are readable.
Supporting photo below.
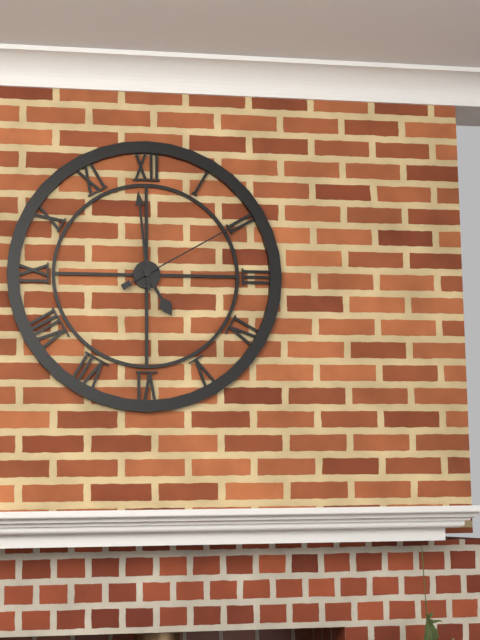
**4:59:10**
